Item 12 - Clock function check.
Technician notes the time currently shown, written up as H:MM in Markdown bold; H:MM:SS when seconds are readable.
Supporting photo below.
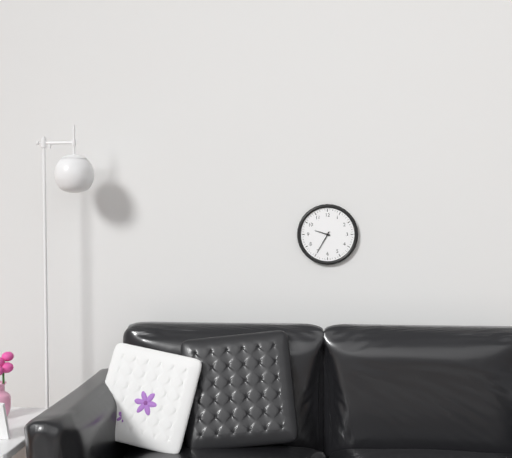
**9:35**
